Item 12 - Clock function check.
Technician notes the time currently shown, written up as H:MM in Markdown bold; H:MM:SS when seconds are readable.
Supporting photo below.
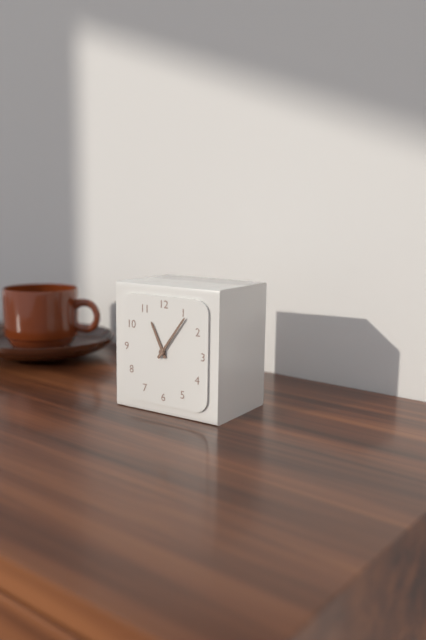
**11:06**
